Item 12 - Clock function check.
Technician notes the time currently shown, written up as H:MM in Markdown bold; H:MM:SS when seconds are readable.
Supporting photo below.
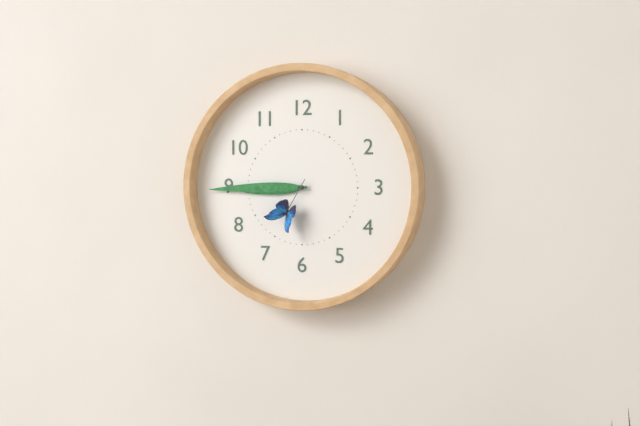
**8:45:35**
